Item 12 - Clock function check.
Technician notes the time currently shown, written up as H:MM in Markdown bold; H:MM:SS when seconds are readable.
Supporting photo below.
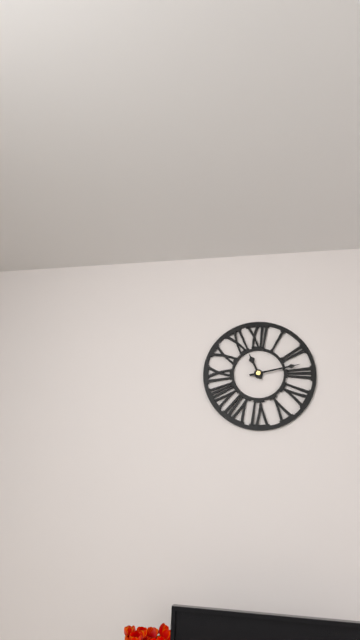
**11:13**
